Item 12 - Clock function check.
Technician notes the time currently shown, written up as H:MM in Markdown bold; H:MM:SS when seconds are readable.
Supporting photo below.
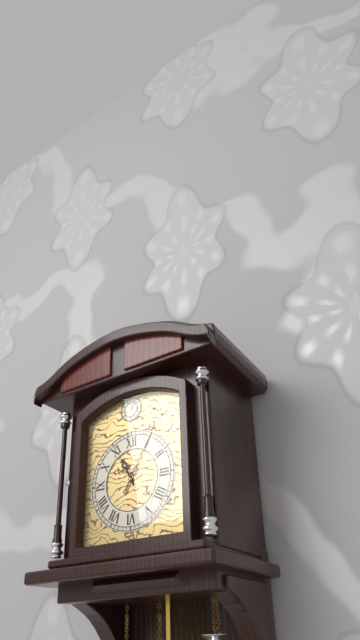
**11:05**
